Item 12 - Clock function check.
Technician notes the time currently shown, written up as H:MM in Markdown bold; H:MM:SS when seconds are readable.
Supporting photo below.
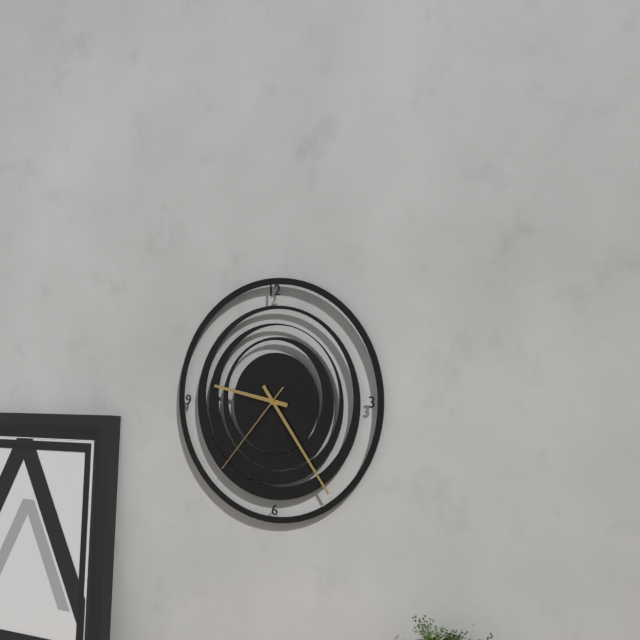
**9:24:37**
